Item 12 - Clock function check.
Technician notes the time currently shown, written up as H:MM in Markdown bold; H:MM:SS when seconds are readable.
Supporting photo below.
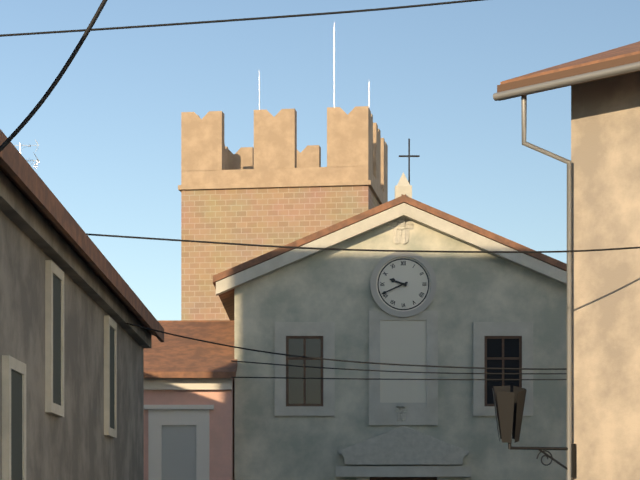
**9:41**
